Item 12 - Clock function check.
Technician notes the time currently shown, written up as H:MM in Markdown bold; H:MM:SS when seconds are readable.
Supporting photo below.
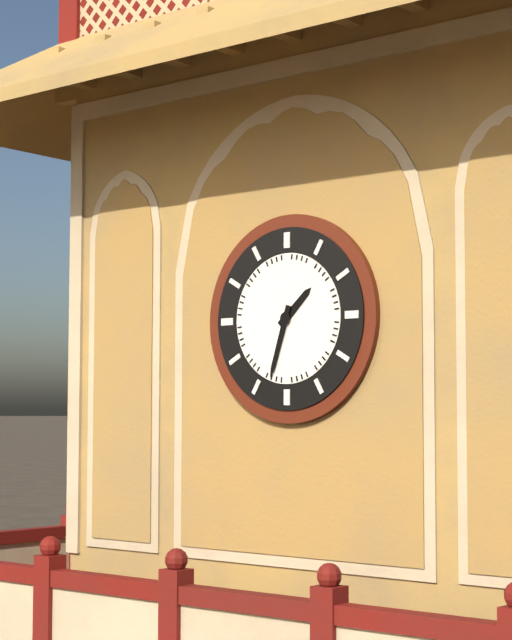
**1:33**
